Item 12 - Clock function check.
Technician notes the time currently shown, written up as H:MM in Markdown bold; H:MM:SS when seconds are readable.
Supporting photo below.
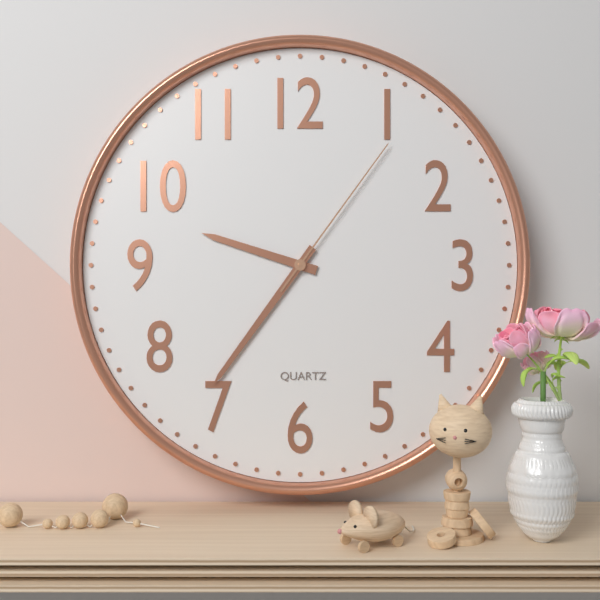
**9:36:06**
